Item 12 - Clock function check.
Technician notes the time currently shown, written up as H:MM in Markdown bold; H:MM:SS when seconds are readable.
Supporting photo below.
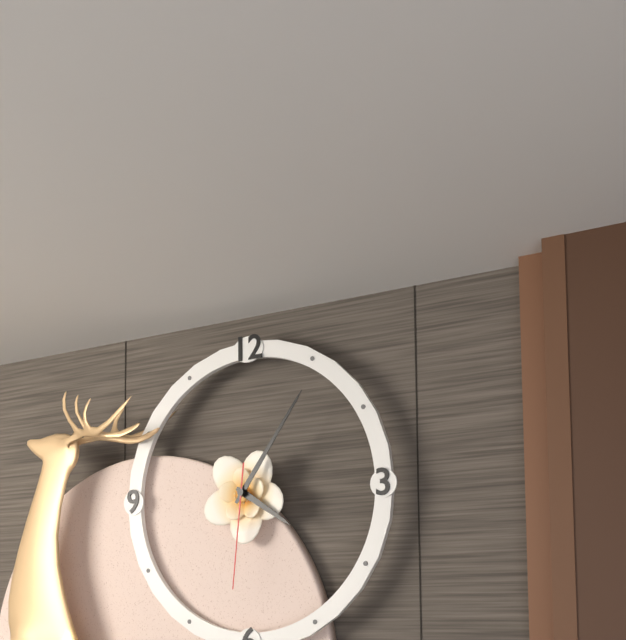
**4:06:31**
